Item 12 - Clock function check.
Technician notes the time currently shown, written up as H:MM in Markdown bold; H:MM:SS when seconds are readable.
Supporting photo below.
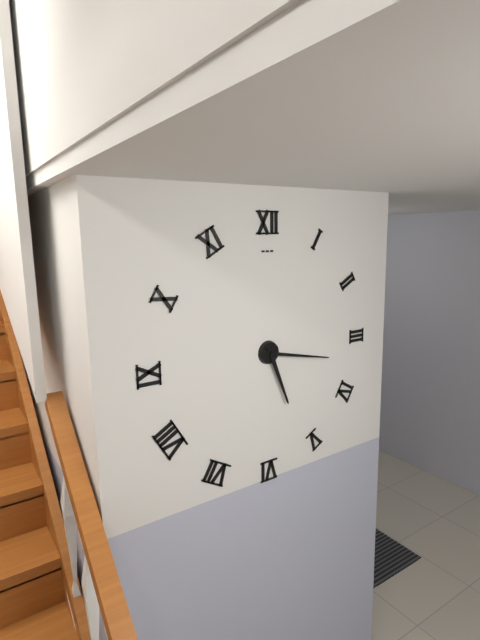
**5:17**
